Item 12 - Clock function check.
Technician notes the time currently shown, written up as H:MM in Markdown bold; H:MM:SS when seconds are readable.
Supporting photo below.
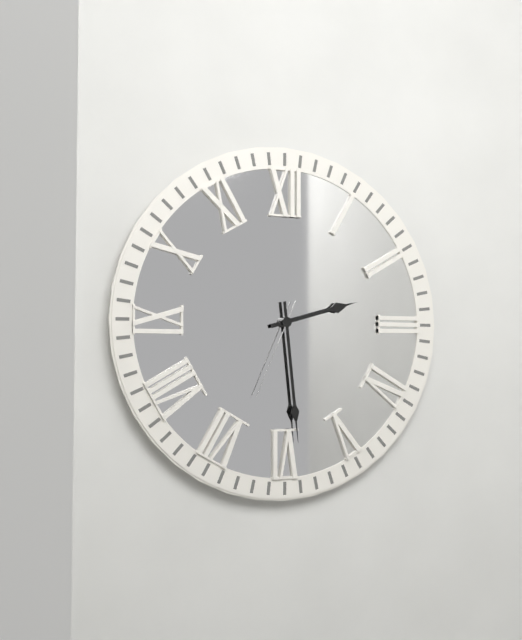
**2:29:34**
